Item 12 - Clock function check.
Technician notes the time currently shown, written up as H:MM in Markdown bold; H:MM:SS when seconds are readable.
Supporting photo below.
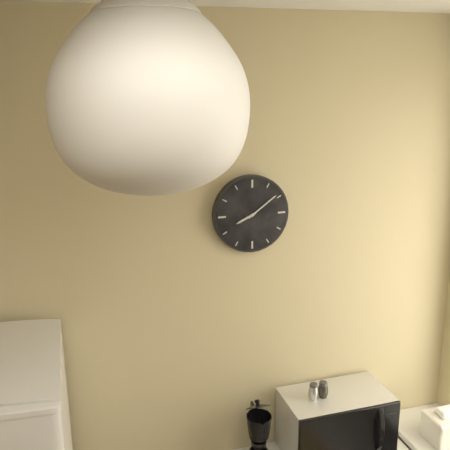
**8:09**
